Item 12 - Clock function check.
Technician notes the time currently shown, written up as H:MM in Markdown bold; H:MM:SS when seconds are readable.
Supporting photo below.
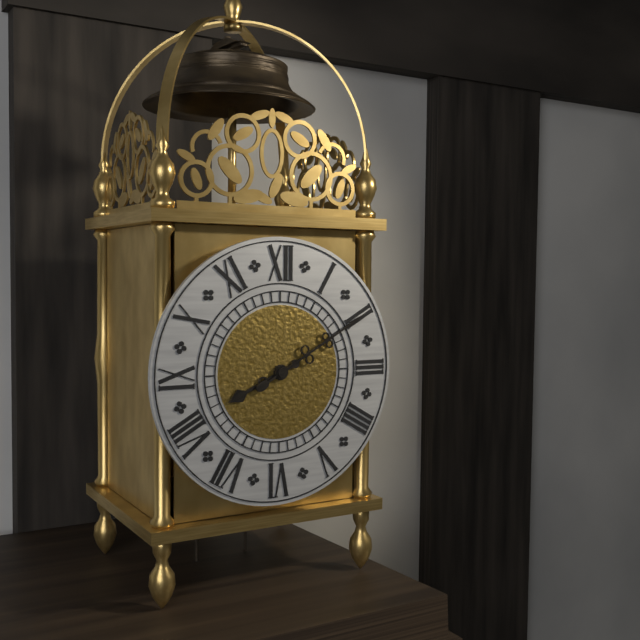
**8:10**
